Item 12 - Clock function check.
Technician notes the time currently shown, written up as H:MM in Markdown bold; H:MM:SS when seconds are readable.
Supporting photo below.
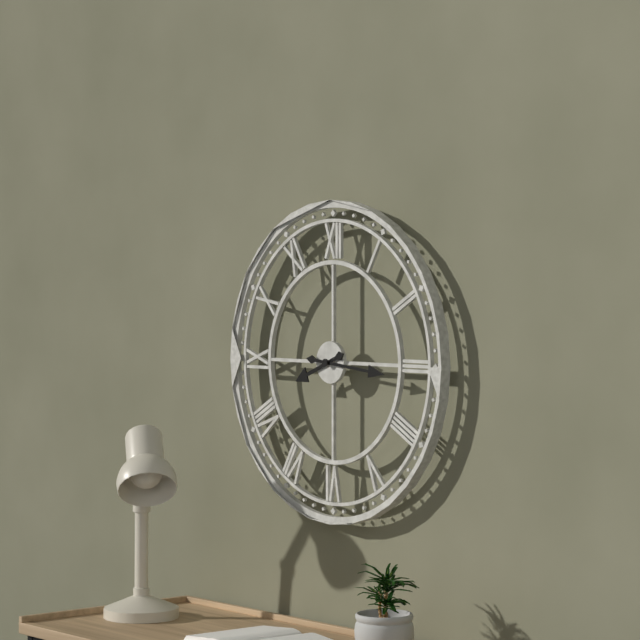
**8:16**
